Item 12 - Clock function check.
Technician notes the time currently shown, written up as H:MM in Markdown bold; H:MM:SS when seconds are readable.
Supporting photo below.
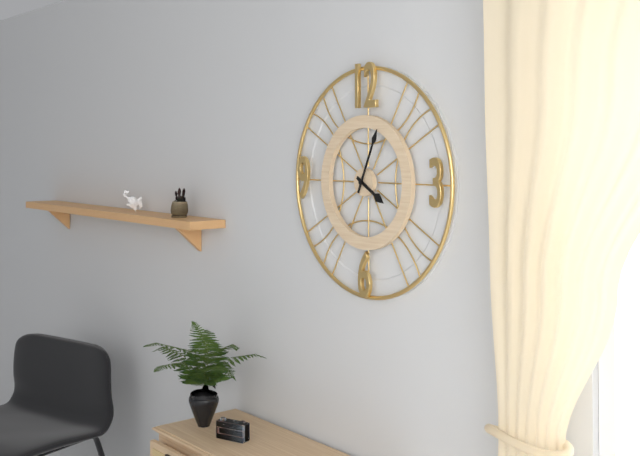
**4:04**
